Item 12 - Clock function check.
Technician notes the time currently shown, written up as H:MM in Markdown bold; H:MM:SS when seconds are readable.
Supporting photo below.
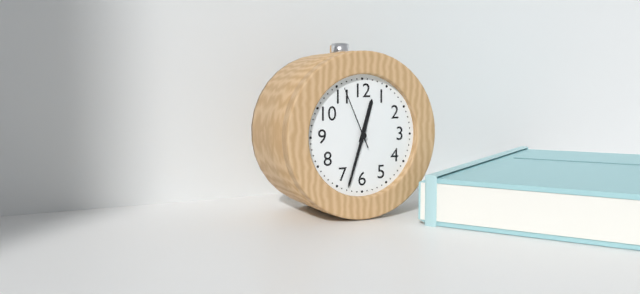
**12:33:56**
